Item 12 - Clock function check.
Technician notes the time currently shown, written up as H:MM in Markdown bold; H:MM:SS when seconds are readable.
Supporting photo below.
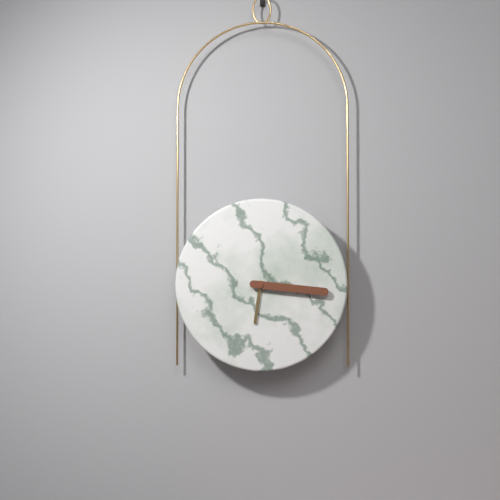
**6:16**
